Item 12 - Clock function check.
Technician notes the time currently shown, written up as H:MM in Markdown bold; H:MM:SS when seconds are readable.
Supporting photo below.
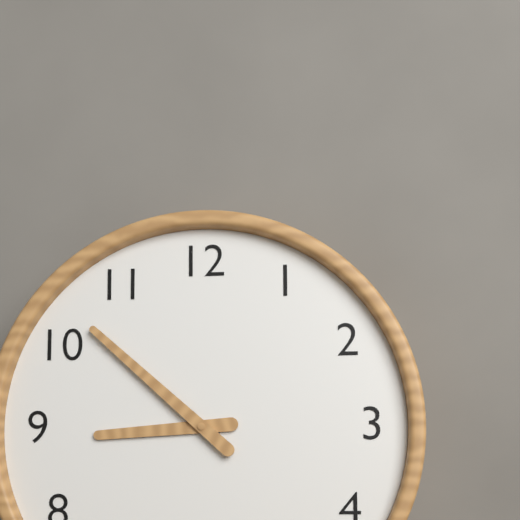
**8:52**
